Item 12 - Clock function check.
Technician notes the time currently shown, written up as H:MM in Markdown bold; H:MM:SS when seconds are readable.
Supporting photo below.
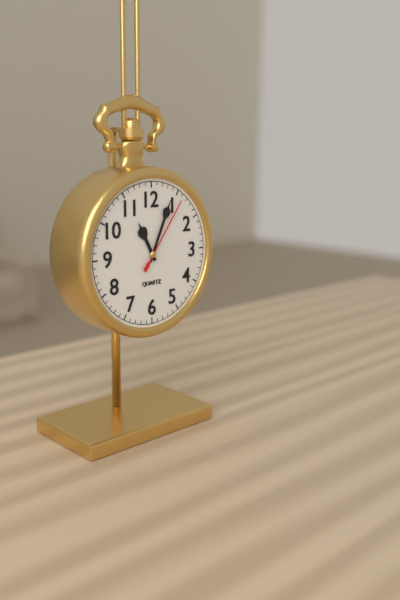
**11:04:06**
